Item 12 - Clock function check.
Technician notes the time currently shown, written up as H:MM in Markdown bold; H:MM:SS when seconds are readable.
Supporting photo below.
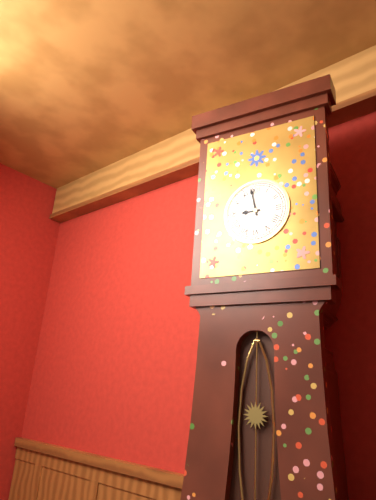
**8:58**
